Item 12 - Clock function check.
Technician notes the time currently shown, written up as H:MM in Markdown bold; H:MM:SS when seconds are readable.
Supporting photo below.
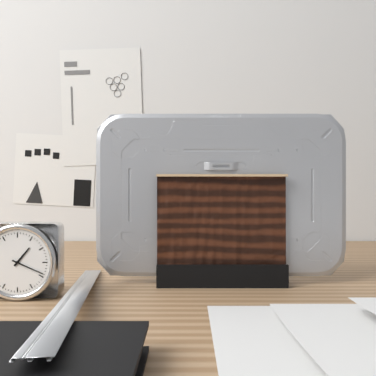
**1:19**
